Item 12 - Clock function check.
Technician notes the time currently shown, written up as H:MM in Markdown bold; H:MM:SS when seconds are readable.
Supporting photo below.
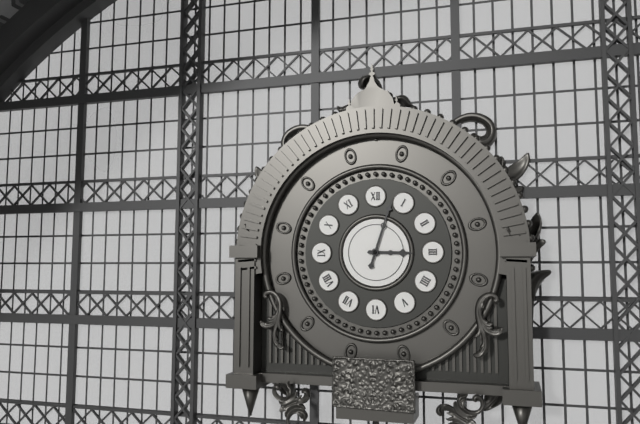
**3:03**
